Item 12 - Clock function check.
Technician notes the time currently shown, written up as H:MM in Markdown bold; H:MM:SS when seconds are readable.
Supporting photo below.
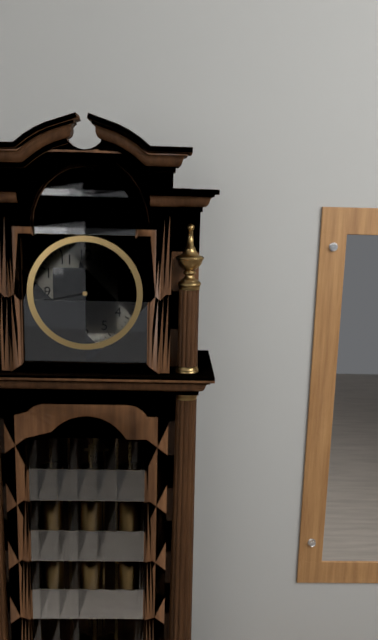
**11:43**
